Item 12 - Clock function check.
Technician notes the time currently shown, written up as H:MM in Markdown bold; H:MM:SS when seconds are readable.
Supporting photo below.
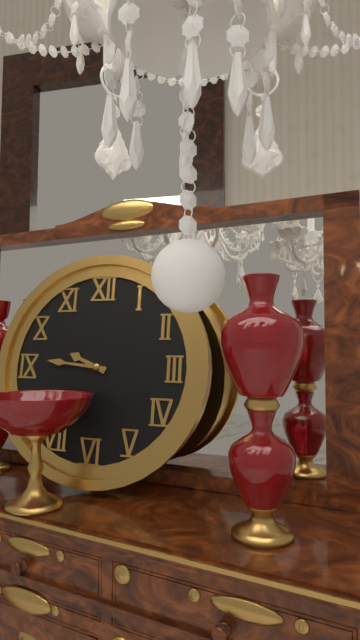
**9:46**
